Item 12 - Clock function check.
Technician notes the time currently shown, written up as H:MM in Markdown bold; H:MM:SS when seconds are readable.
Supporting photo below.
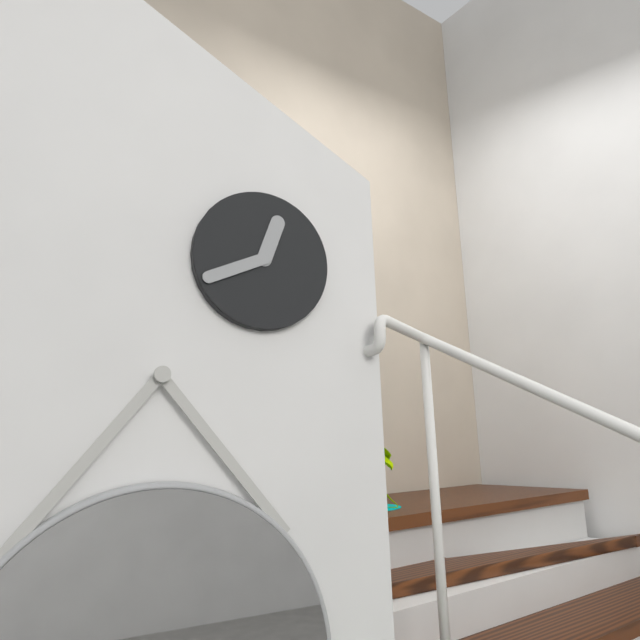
**12:41**
